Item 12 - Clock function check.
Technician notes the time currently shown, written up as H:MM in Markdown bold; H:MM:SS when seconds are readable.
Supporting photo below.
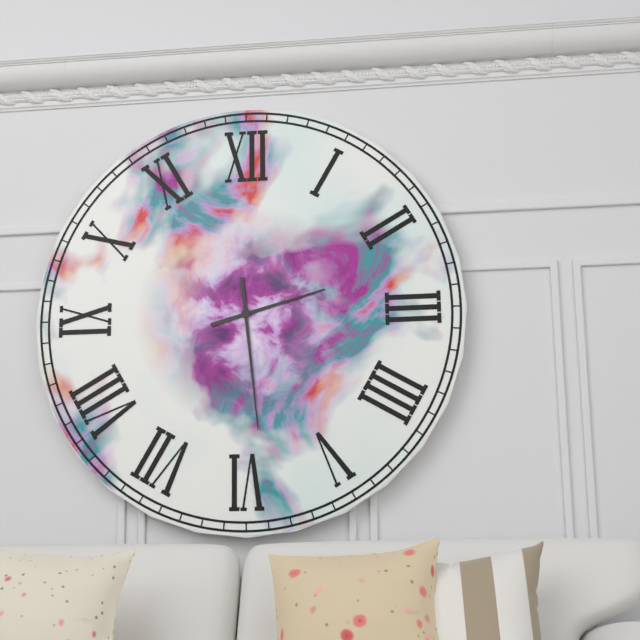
**2:29**
